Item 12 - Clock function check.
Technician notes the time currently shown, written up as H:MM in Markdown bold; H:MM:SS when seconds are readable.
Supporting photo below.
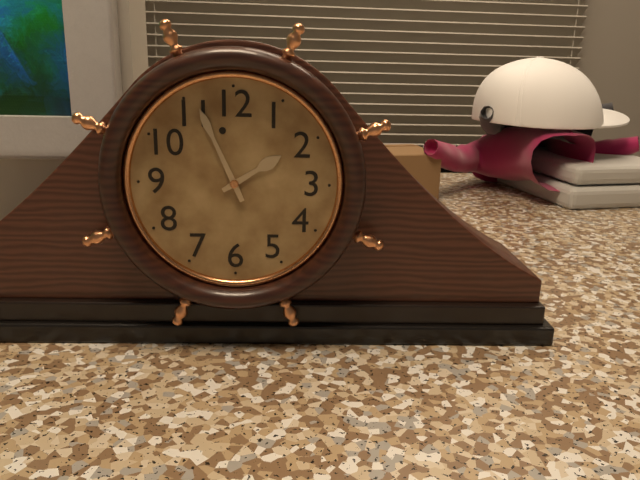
**1:56**
